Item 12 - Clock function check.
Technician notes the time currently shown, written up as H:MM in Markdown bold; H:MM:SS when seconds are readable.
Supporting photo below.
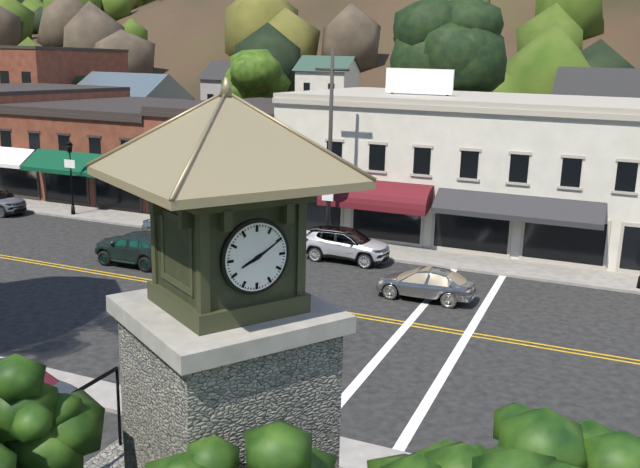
**8:10**
